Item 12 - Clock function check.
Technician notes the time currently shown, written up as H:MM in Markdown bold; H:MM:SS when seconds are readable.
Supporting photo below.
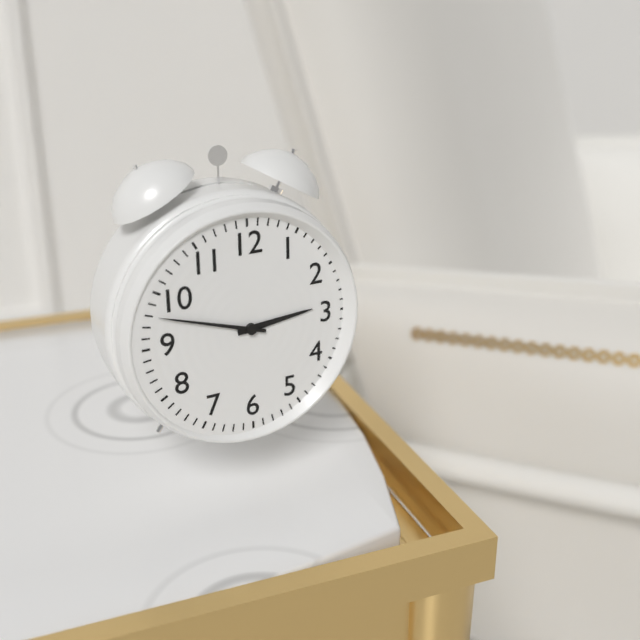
**2:48**
